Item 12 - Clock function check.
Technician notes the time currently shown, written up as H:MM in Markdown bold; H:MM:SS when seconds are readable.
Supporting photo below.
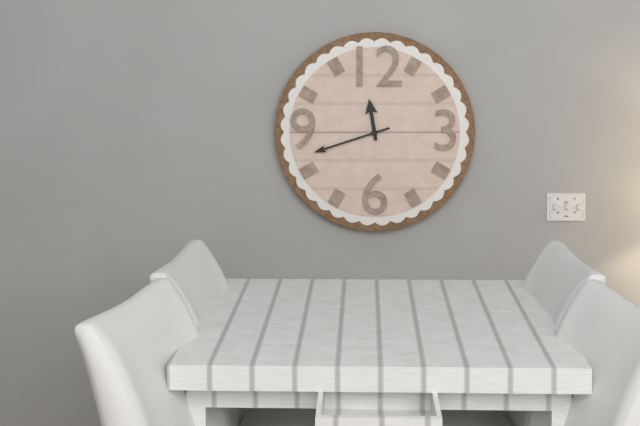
**11:42**
